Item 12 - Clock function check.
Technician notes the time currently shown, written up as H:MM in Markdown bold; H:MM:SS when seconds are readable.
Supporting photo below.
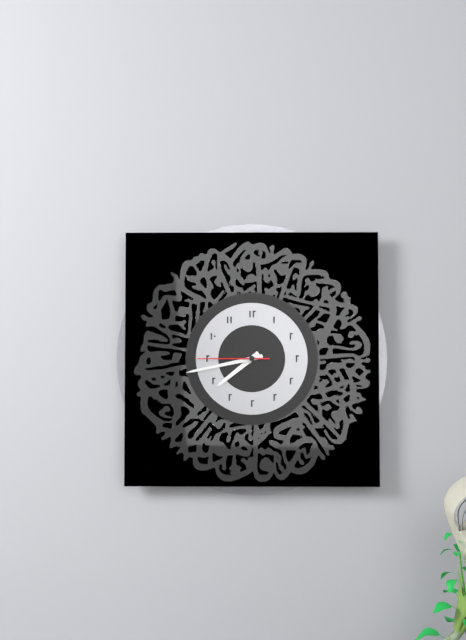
**7:43:45**
